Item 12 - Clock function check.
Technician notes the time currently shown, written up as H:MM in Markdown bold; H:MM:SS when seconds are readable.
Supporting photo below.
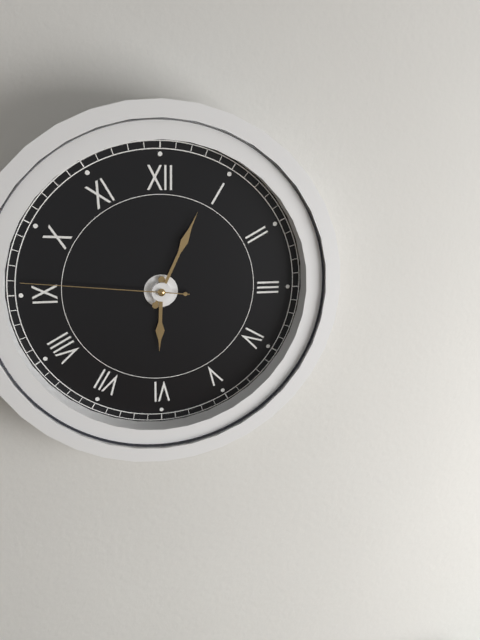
**6:04:46**
